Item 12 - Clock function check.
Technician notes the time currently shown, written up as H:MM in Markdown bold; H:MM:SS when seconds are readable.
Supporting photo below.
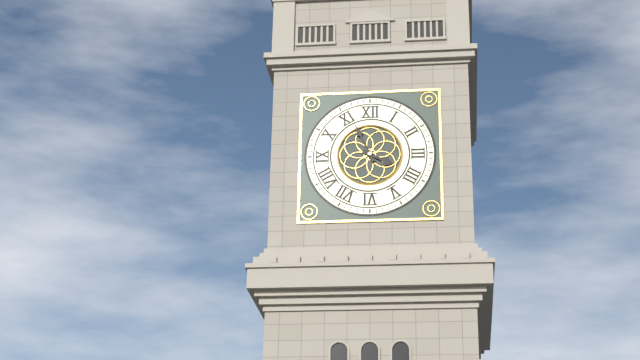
**3:56**
